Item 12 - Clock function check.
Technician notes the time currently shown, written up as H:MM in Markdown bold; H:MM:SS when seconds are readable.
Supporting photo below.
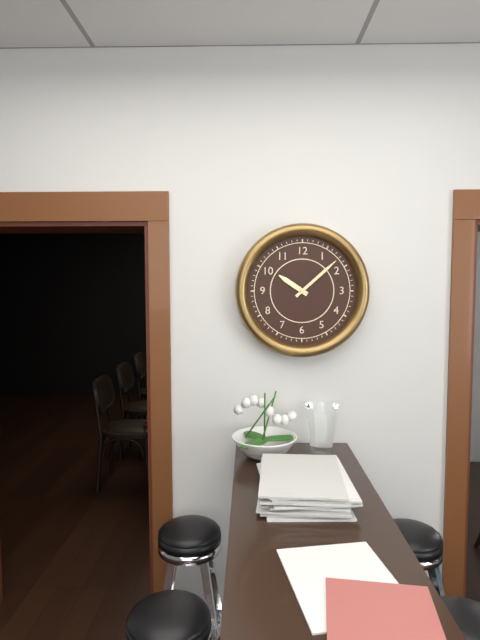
**10:08**
